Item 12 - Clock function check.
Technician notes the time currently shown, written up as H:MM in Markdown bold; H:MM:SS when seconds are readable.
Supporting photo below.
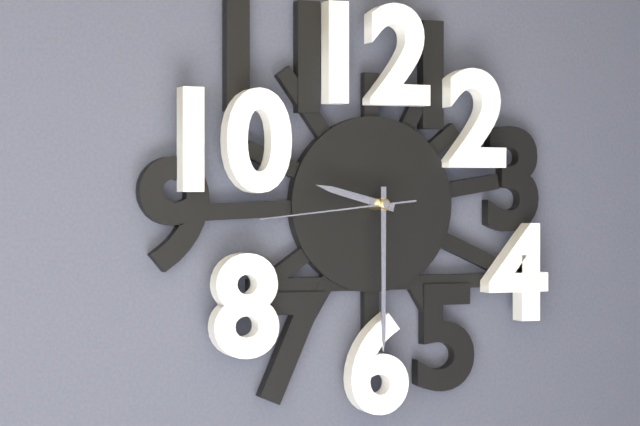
**9:30:44**
